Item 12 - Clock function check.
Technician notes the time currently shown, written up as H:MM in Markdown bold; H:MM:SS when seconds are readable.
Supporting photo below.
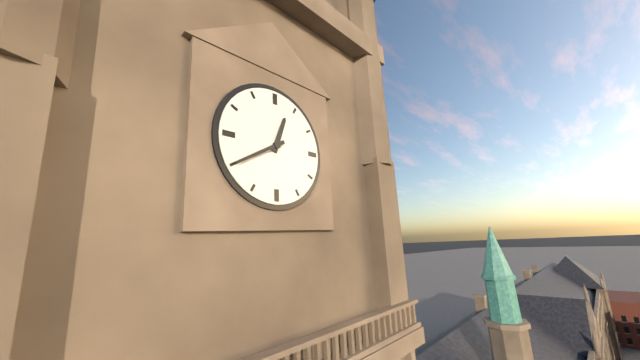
**12:40**
